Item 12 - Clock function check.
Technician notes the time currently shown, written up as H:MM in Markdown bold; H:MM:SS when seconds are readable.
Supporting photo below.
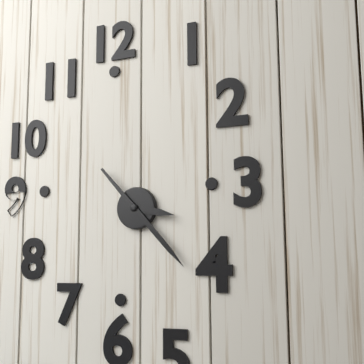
**3:23**
